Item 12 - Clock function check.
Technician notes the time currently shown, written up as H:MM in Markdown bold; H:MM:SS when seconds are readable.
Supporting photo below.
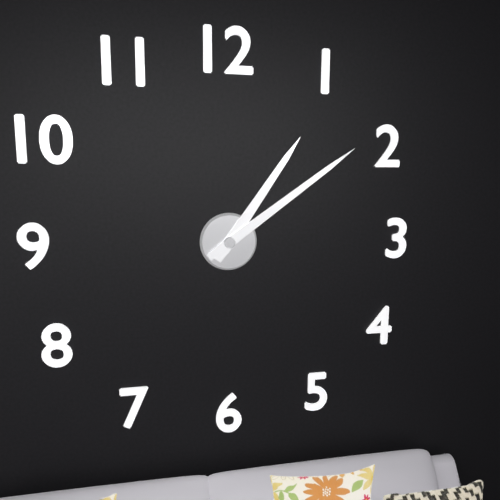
**1:09**
